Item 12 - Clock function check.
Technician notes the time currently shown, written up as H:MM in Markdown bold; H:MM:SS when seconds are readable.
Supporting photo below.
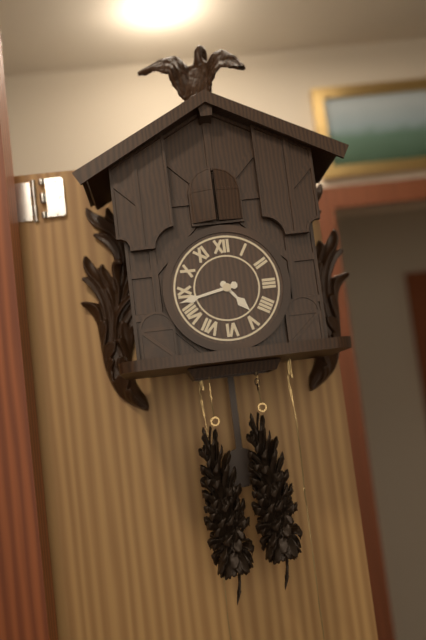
**4:43**
